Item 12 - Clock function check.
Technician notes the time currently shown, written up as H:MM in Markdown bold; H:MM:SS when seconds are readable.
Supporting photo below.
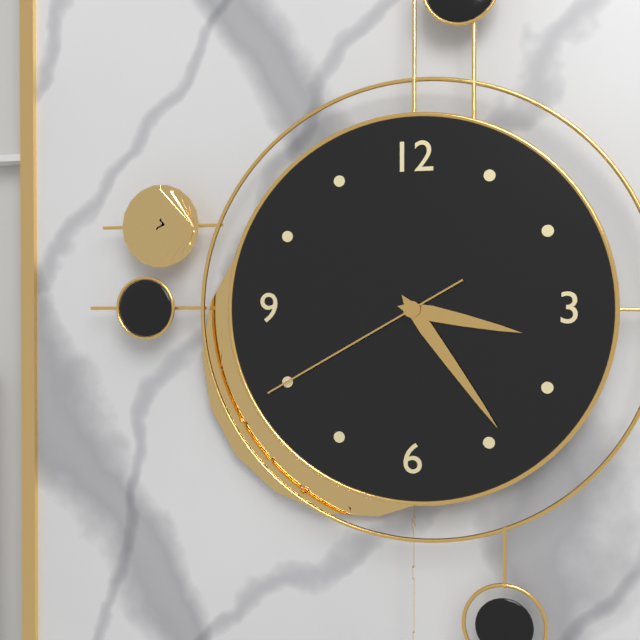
**3:24:40**
